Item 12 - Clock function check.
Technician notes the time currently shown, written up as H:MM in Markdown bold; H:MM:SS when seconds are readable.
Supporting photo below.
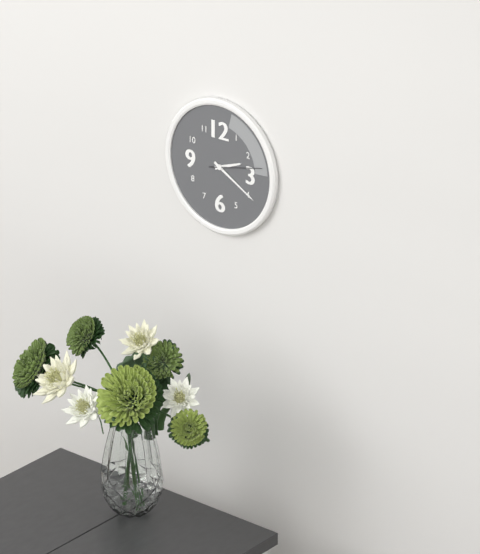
**2:20:13**
